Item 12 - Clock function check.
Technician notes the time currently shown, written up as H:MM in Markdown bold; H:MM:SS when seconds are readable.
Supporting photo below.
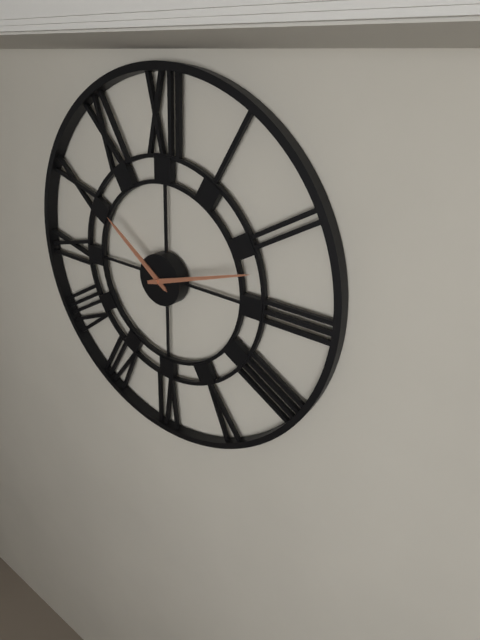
**10:12**
